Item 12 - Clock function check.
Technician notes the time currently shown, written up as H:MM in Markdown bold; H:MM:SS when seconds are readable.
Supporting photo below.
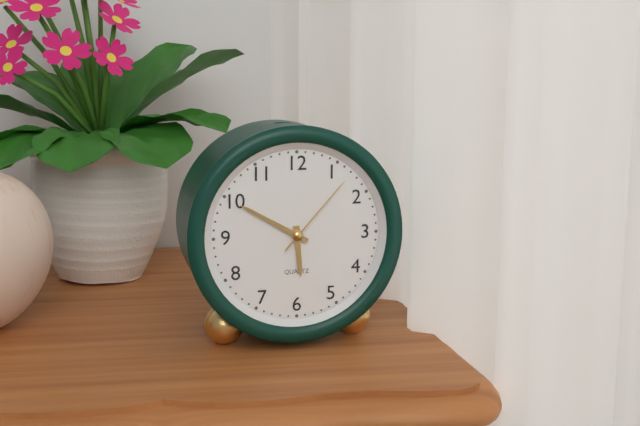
**5:50:07**
